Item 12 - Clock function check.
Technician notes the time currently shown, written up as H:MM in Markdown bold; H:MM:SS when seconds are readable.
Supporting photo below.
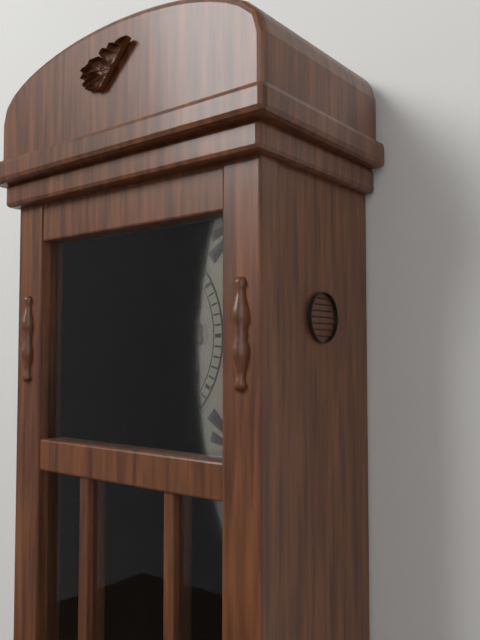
**7:45**
